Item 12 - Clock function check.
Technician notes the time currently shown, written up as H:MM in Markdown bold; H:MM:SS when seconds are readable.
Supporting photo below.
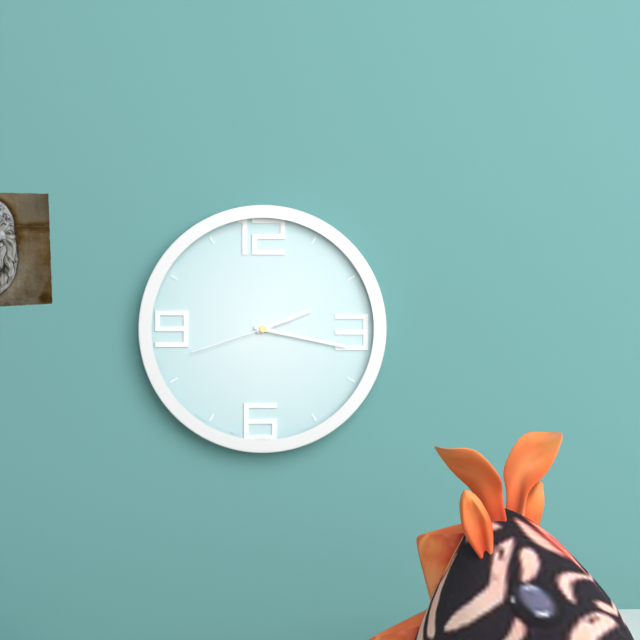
**2:17:42**
